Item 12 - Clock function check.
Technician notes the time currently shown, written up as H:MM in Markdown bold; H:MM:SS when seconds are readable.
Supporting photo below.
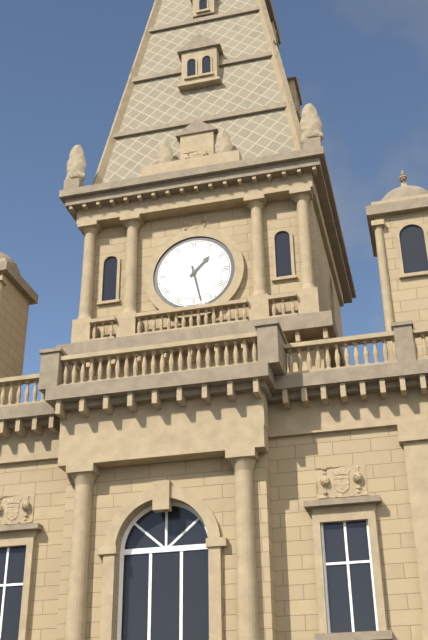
**1:28**
